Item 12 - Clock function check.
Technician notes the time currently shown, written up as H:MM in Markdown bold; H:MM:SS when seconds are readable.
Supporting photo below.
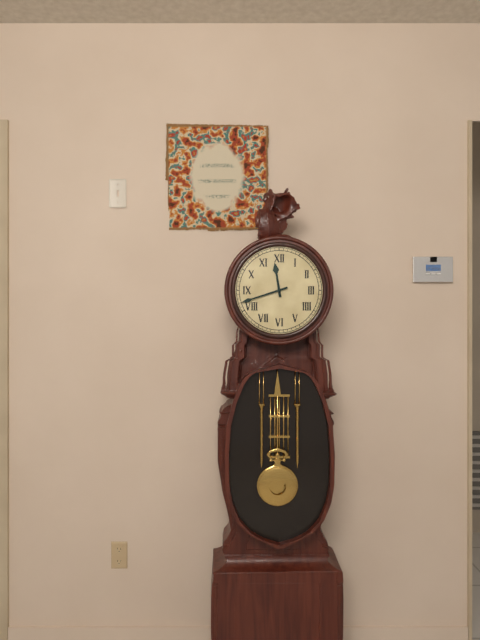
**11:42**
